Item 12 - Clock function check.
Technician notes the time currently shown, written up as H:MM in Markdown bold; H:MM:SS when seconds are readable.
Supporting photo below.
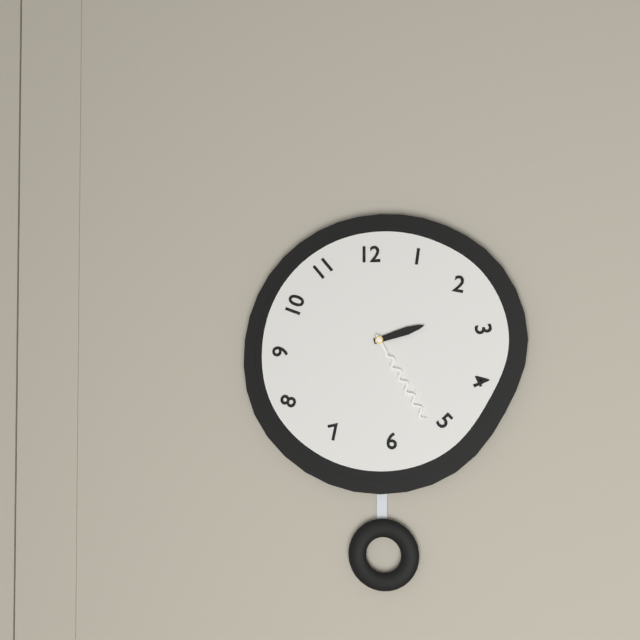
**2:25**
